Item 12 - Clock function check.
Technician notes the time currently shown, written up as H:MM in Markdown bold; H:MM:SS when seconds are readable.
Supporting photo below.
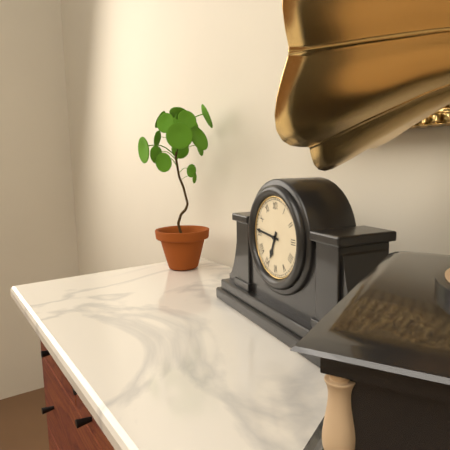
**6:46**
